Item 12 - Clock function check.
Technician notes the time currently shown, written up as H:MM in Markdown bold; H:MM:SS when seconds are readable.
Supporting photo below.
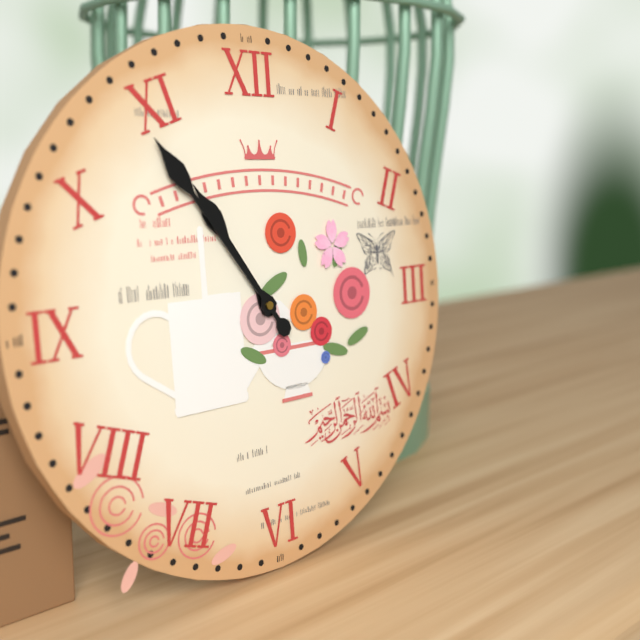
**10:54**
